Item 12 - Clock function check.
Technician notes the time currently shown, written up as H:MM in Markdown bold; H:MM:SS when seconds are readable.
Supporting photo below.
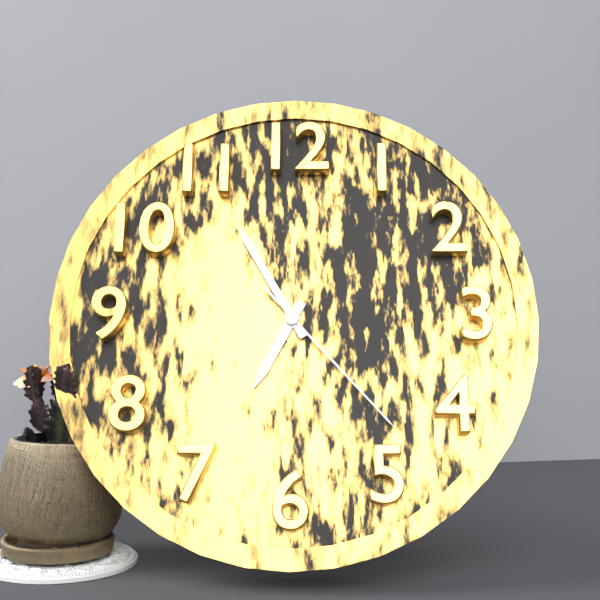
**6:55:23**
